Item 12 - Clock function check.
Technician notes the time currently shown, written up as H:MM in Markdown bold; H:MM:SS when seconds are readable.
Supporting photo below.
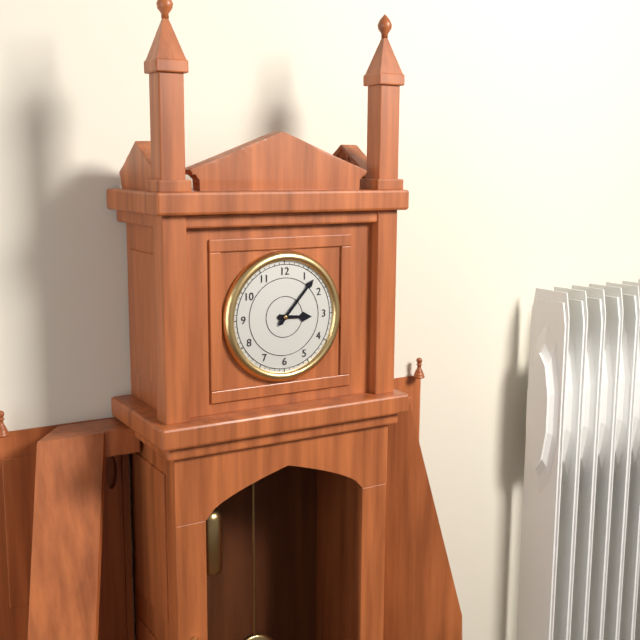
**3:07**
